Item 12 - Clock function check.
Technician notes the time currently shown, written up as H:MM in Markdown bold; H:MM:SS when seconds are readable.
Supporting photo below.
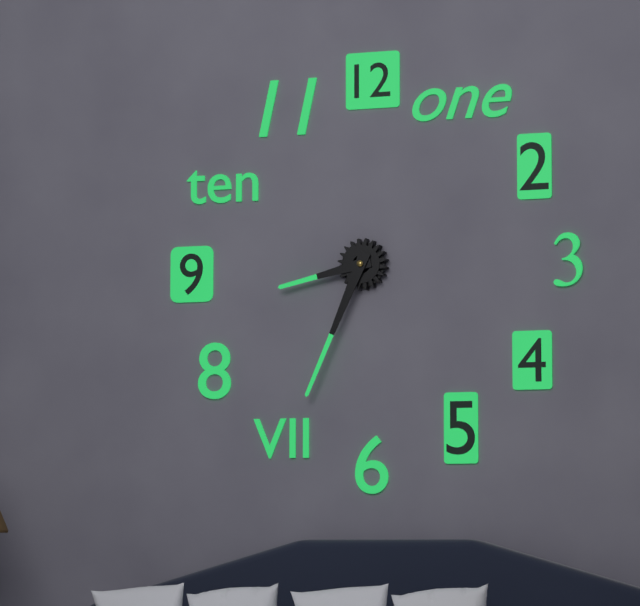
**8:34**
